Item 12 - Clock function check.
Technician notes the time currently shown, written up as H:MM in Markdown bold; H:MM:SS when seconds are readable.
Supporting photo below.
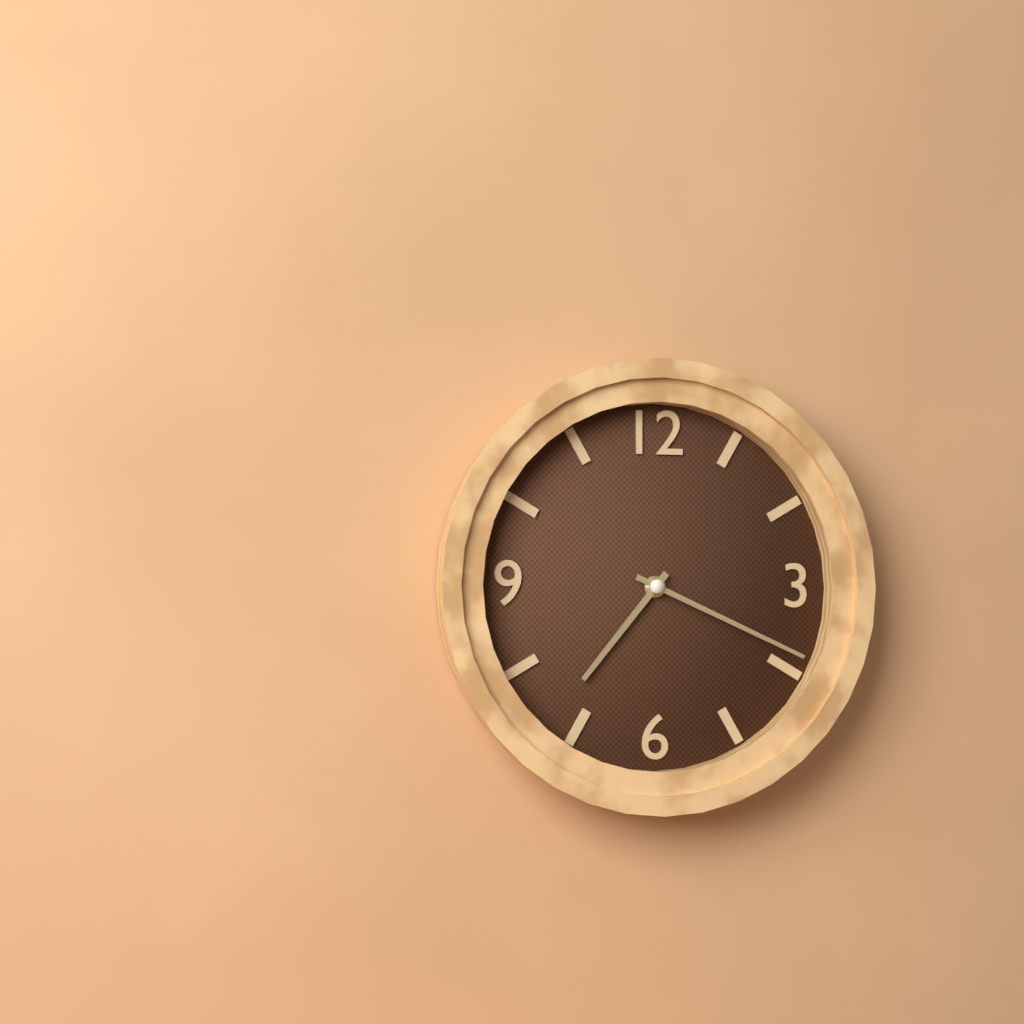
**7:19**
